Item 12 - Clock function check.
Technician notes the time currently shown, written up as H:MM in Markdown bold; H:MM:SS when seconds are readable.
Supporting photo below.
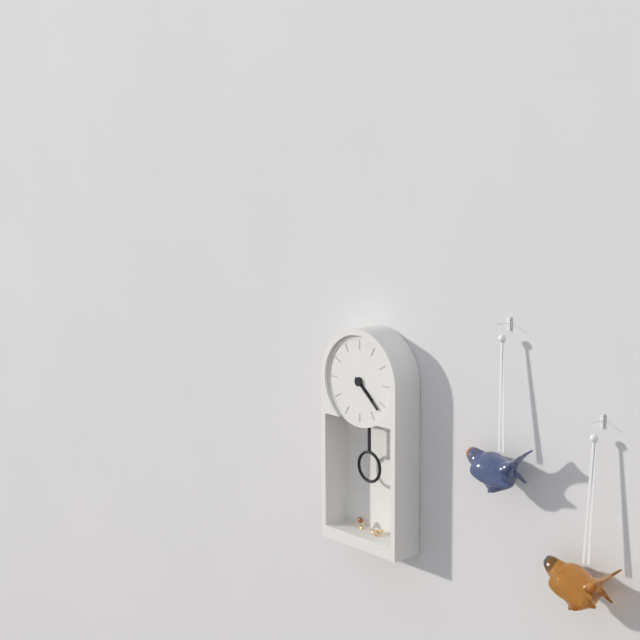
**4:22**
